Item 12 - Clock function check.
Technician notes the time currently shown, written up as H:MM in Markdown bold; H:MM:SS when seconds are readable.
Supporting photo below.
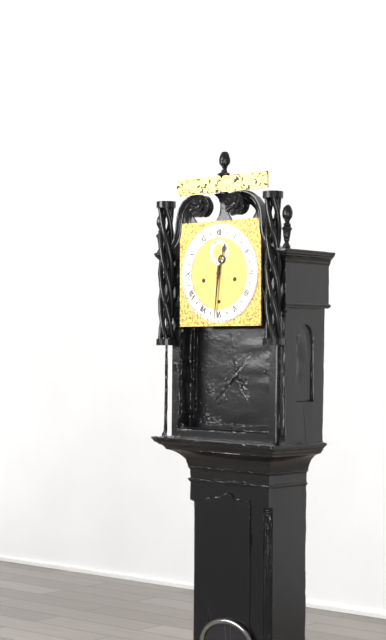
**12:31**
